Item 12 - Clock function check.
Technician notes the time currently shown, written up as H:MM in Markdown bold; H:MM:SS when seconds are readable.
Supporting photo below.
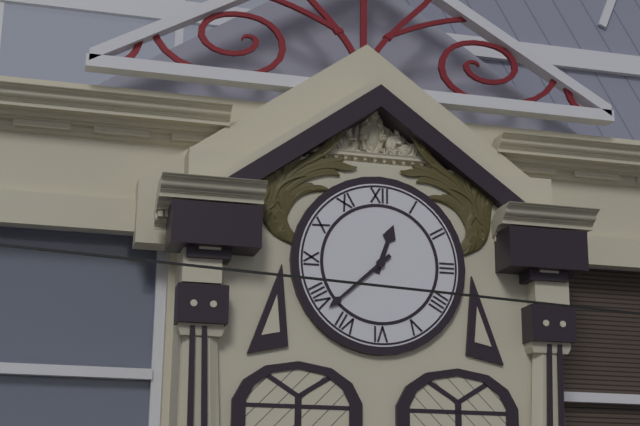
**12:38**
